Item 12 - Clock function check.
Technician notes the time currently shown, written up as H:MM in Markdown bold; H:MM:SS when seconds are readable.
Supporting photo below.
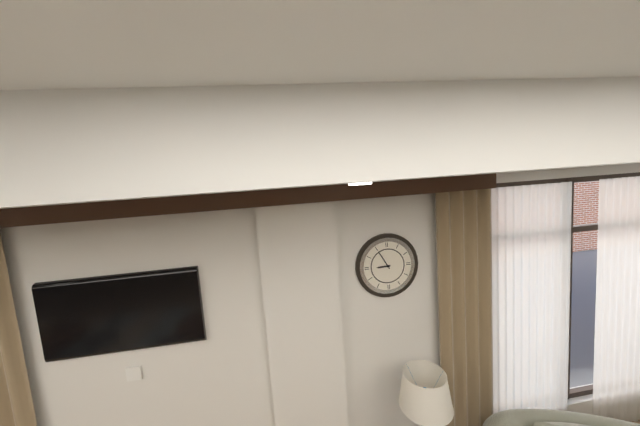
**8:55**
